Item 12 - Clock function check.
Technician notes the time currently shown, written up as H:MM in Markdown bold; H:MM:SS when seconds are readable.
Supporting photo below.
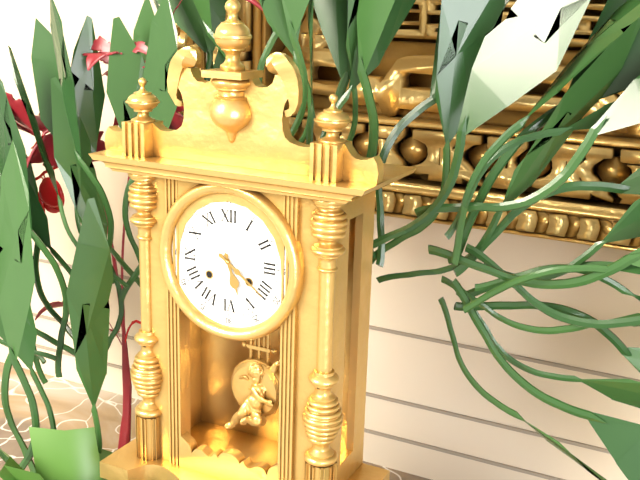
**5:21**
